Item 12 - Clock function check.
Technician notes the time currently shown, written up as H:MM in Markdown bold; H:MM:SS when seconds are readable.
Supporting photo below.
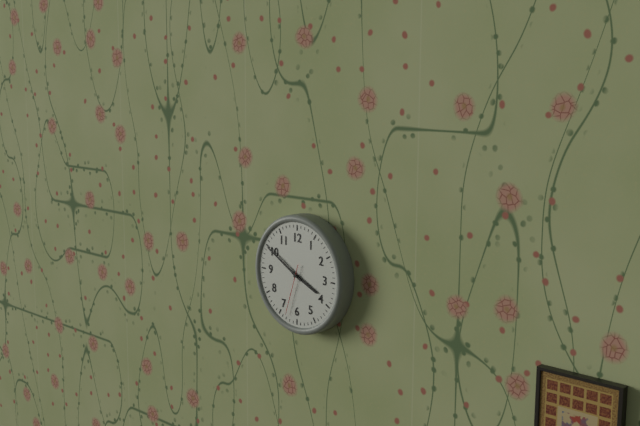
**3:50:33**
